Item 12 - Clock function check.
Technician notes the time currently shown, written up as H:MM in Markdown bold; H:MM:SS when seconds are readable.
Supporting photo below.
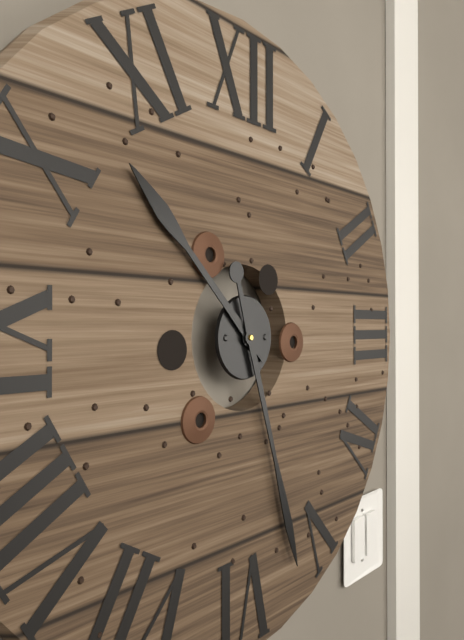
**10:27**
